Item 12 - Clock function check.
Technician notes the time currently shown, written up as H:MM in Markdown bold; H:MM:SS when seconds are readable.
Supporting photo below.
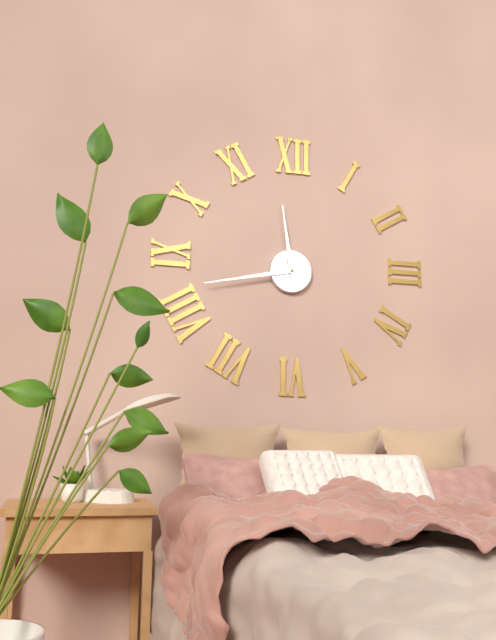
**11:43**
